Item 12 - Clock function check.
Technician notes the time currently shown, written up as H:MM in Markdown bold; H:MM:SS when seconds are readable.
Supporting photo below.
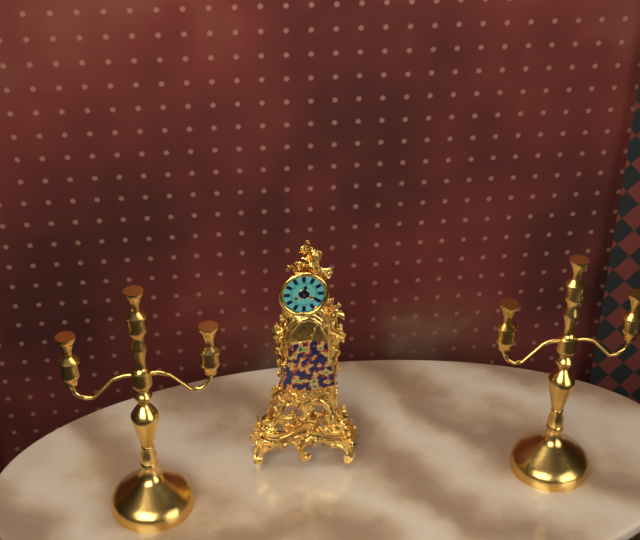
**12:19**
